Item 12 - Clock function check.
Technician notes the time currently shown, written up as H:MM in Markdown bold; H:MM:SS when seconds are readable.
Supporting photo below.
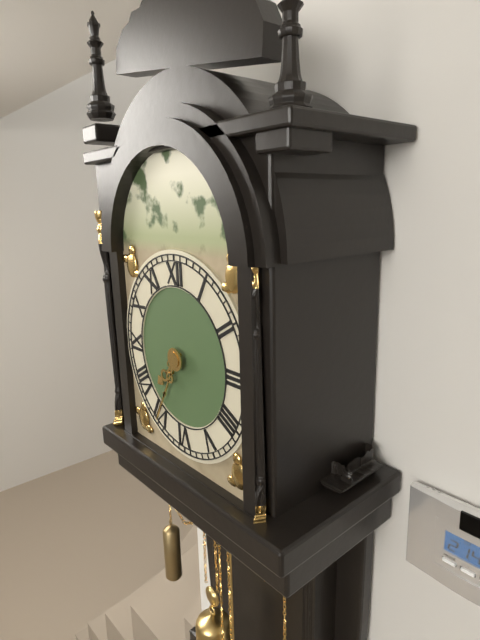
**7:35**
